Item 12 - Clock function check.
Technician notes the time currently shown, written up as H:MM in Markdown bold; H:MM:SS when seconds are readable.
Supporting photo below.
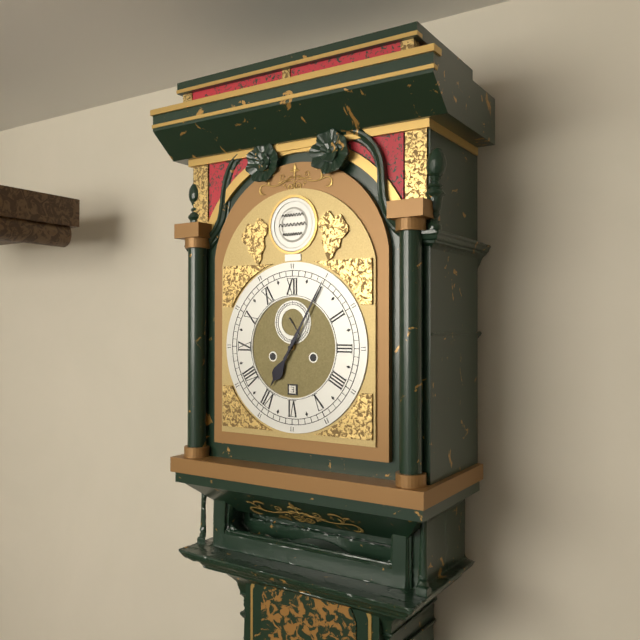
**7:05**
